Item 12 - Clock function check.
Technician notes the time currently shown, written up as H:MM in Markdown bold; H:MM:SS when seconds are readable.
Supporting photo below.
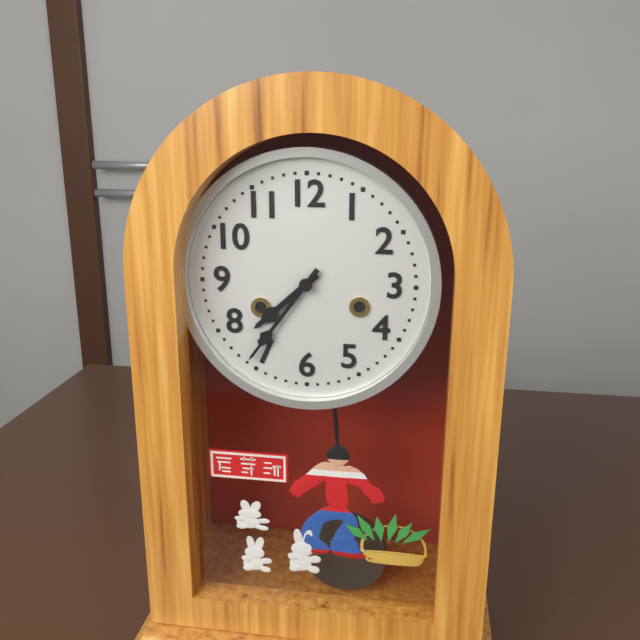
**7:36**
